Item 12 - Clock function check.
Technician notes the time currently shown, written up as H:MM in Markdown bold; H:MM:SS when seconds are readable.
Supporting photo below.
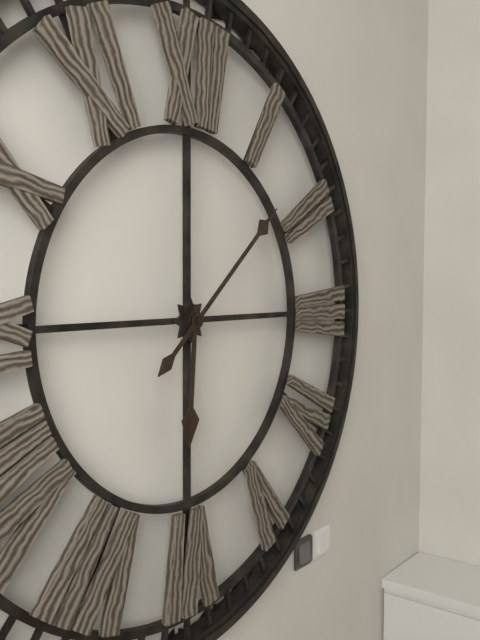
**6:08**
